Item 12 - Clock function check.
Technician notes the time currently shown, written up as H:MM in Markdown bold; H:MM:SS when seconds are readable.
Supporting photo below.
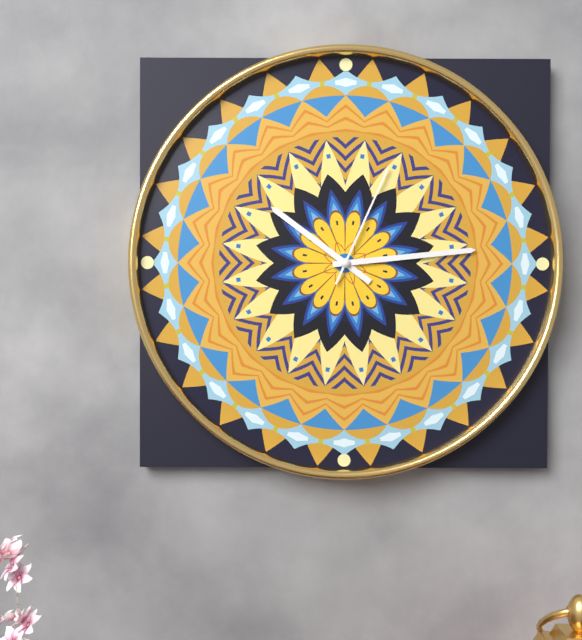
**10:14:04**
